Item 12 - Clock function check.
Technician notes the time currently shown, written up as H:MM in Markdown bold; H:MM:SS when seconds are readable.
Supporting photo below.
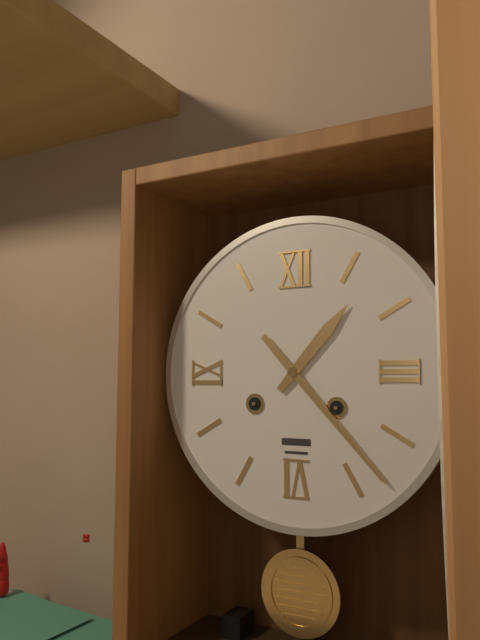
**1:23**
